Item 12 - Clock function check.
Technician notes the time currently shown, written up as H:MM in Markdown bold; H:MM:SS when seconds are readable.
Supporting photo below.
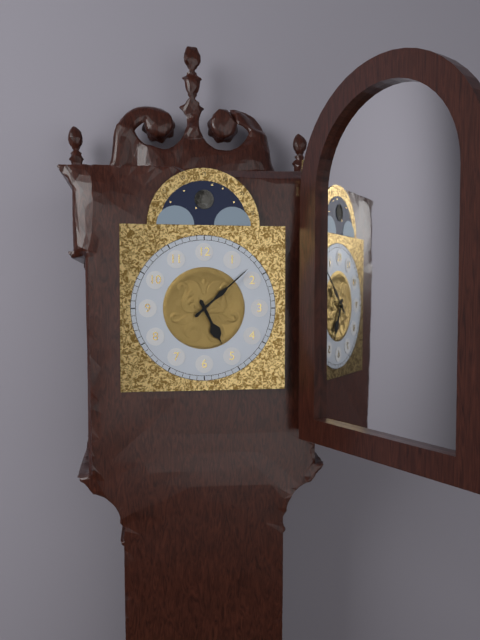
**5:08**
